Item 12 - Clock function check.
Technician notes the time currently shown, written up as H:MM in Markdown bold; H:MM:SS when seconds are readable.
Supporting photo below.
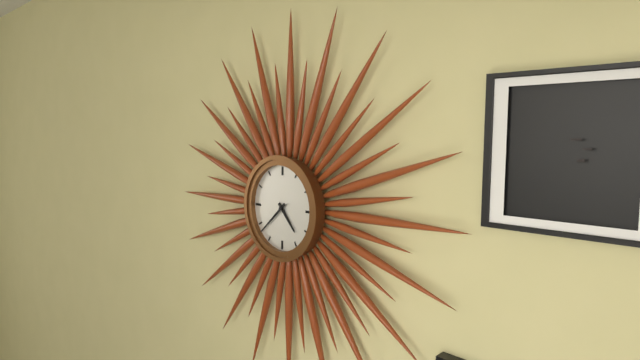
**4:38**
